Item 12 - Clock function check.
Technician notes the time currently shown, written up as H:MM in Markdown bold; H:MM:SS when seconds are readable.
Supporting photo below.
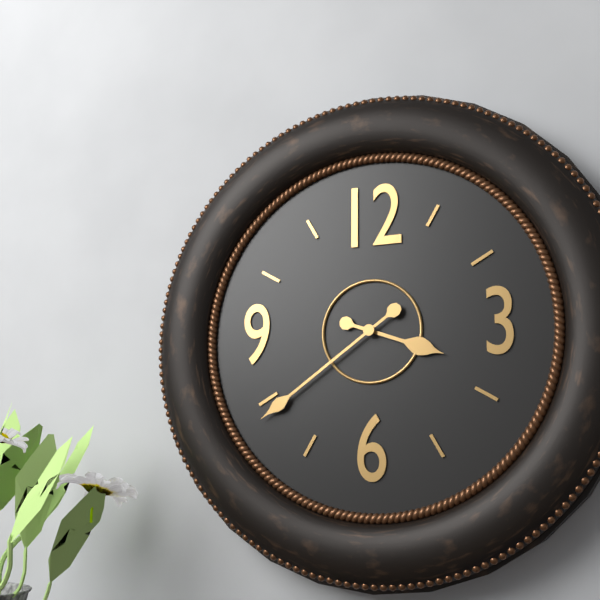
**3:39**
